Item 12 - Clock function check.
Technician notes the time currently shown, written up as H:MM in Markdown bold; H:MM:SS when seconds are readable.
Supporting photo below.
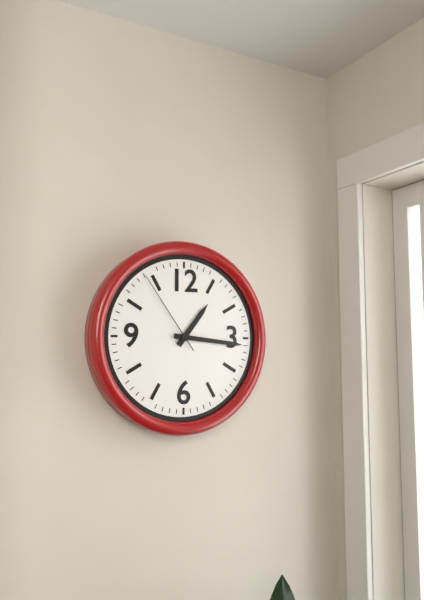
**1:16:54**
